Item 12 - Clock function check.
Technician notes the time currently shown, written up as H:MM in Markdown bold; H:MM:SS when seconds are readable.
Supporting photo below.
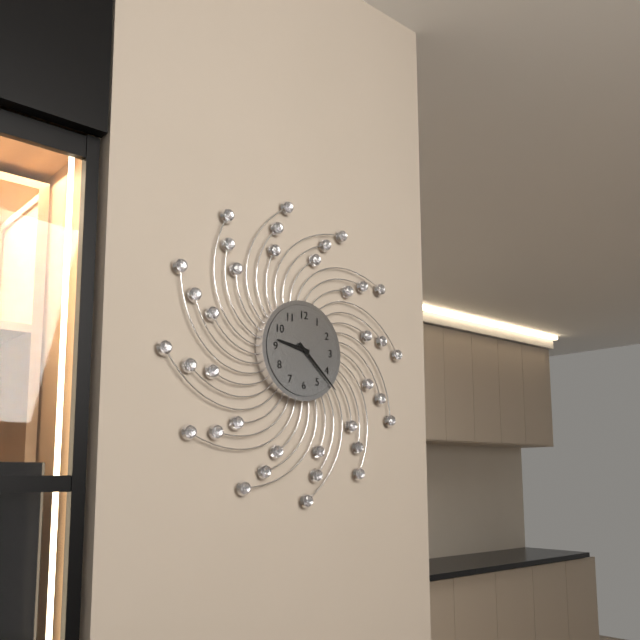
**9:22**
